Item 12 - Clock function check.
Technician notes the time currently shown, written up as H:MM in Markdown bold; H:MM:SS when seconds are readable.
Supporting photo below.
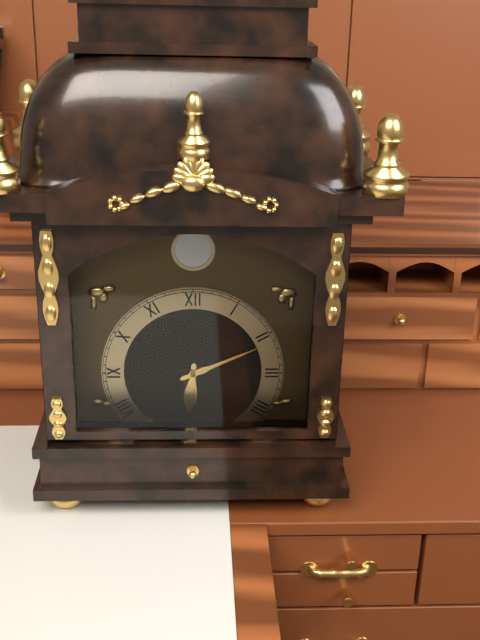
**6:11**
